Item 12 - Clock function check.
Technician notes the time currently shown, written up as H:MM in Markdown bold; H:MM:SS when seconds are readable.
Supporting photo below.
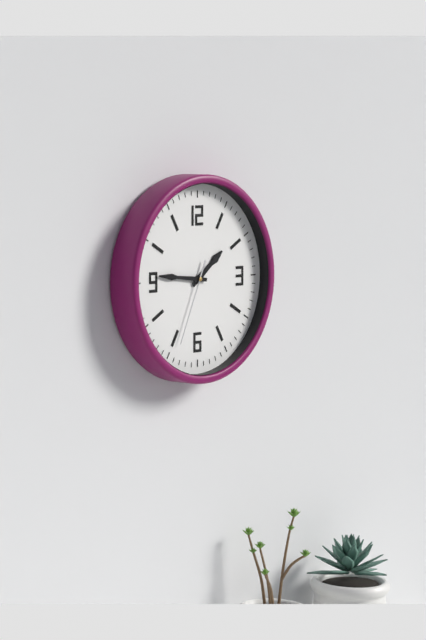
**1:46:34**
